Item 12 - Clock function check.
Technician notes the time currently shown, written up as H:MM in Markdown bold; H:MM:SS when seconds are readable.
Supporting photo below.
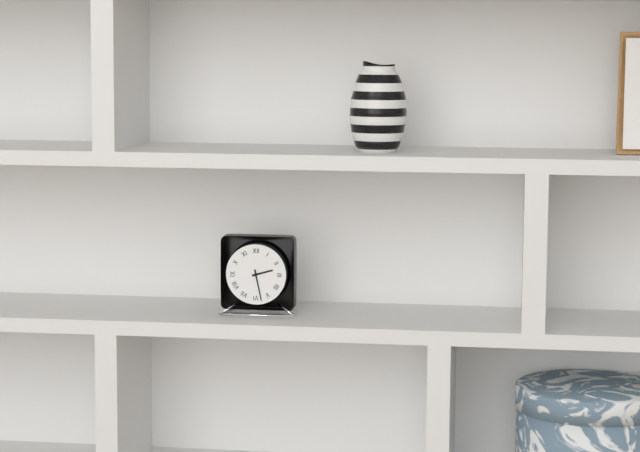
**2:28**
